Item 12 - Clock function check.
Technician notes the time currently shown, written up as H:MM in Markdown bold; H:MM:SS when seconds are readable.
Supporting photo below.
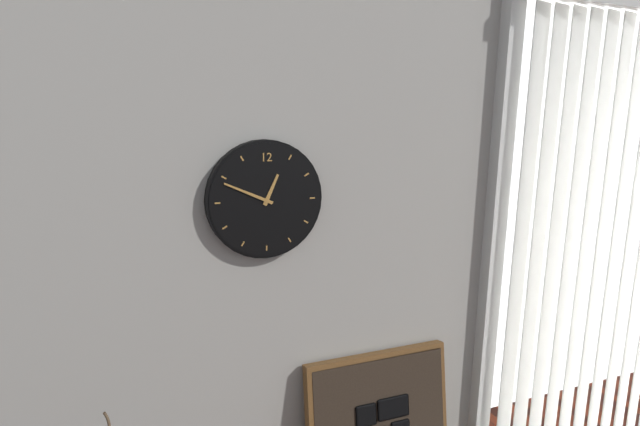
**12:49**
